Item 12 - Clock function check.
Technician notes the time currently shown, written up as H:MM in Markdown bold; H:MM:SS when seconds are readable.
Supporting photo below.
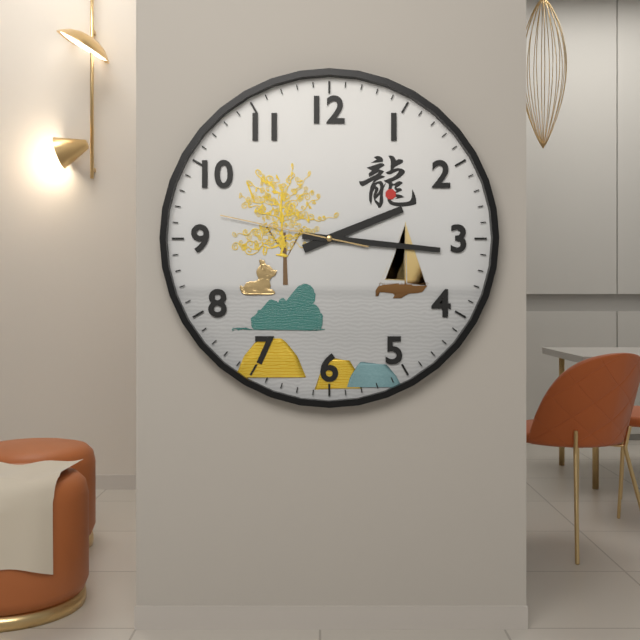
**2:16:47**
